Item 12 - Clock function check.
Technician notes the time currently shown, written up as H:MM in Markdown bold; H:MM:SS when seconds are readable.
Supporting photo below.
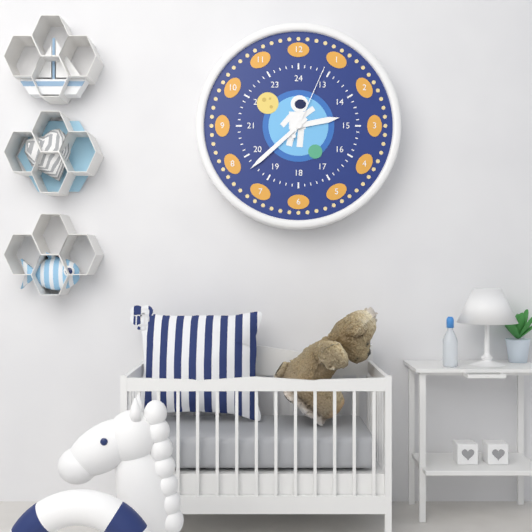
**2:38:04**
